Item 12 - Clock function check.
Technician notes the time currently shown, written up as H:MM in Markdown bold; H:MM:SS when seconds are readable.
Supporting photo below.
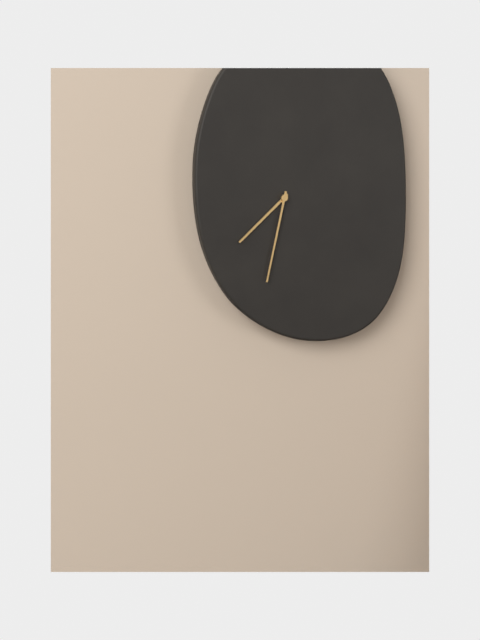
**7:32**
